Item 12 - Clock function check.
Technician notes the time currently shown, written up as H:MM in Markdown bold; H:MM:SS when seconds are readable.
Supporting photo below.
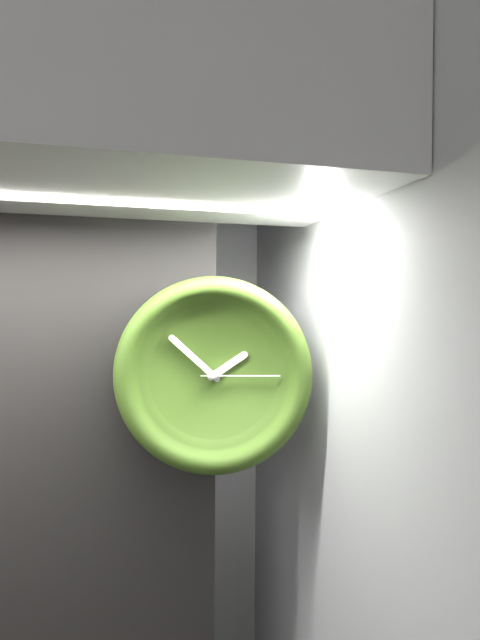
**1:52:15**
